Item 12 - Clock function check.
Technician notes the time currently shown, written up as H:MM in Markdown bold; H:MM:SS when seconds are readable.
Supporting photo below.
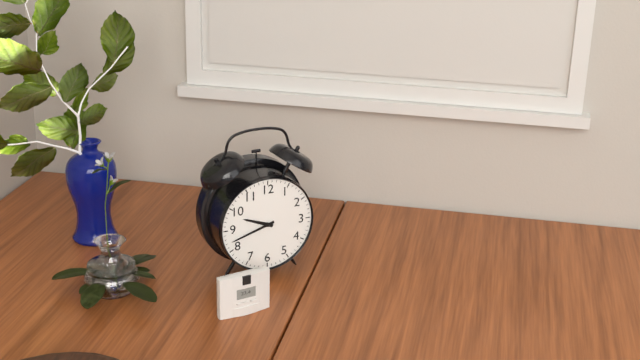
**9:42**
